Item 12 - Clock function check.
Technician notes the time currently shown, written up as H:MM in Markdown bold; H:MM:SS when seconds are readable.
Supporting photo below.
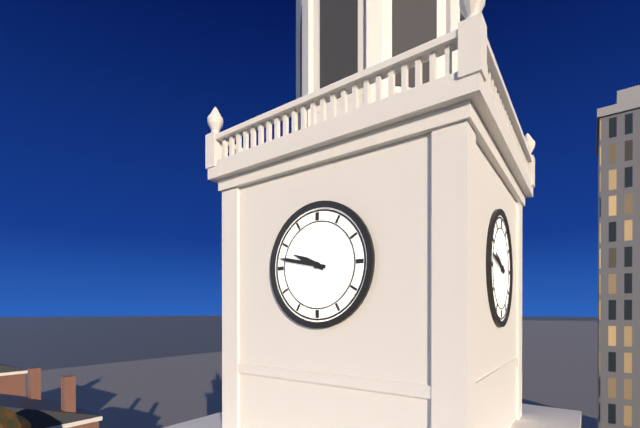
**9:47**
